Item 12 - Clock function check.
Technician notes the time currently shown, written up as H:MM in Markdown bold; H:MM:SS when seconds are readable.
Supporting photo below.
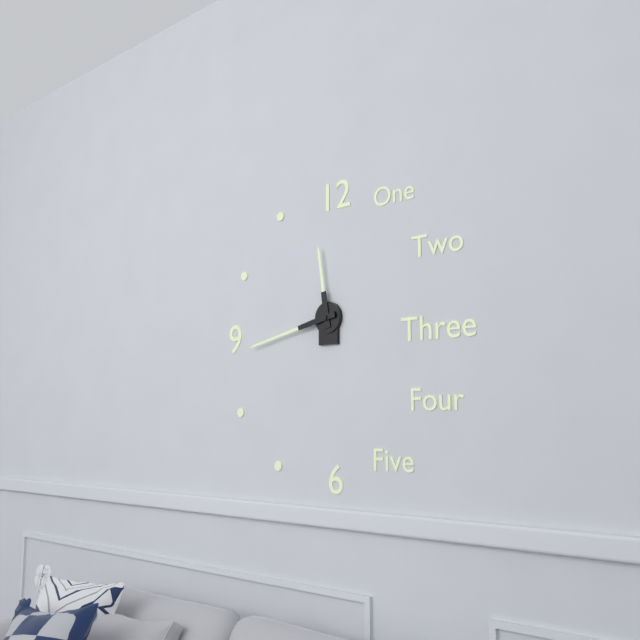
**11:43**
